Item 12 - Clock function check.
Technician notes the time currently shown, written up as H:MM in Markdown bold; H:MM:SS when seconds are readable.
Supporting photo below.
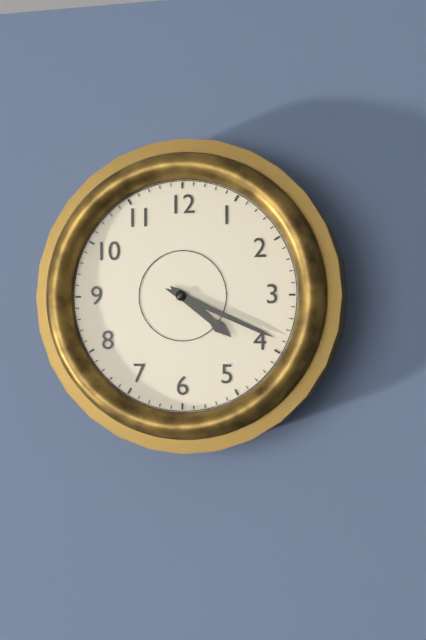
**4:19**
